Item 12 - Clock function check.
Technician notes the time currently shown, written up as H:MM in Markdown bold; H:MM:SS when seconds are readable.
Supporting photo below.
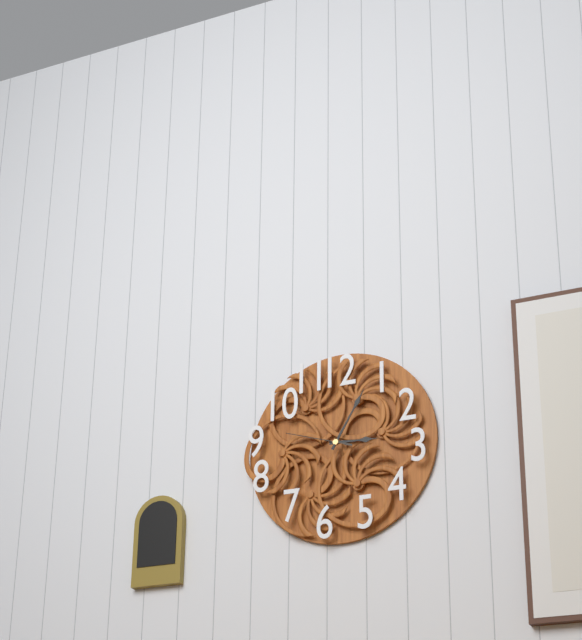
**3:05:48**
